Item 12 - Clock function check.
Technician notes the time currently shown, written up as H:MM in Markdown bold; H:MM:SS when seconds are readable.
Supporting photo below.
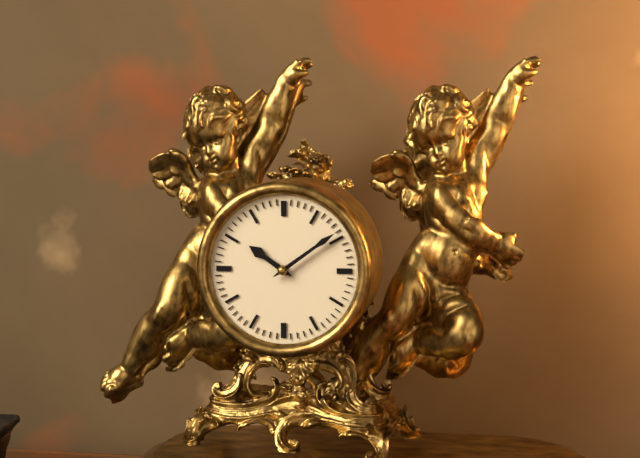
**10:09**
